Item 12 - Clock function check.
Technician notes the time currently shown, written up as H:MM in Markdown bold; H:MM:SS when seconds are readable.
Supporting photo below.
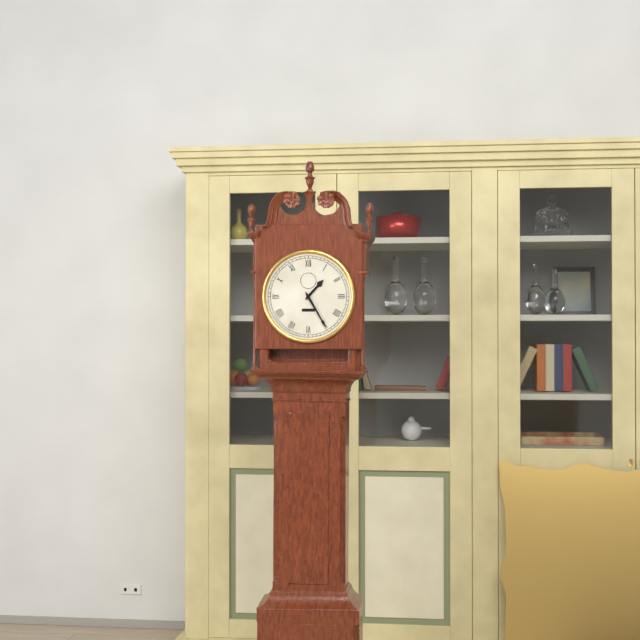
**1:25**
